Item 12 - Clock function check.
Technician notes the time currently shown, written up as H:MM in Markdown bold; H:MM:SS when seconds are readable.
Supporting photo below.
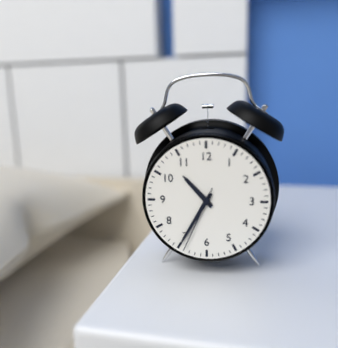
**10:35:34**
